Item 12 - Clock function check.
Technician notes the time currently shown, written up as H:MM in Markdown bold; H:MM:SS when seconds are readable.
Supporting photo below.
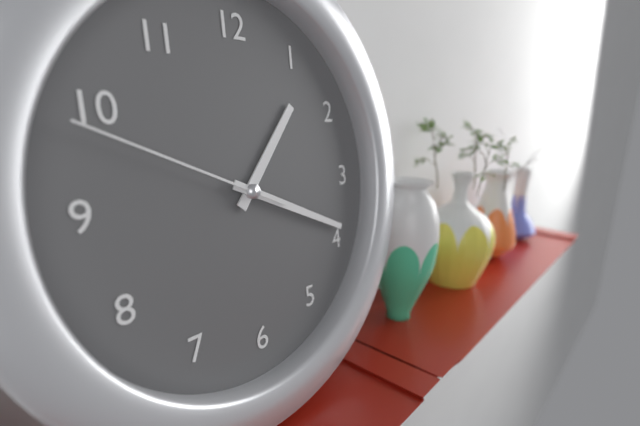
**1:19:49**
